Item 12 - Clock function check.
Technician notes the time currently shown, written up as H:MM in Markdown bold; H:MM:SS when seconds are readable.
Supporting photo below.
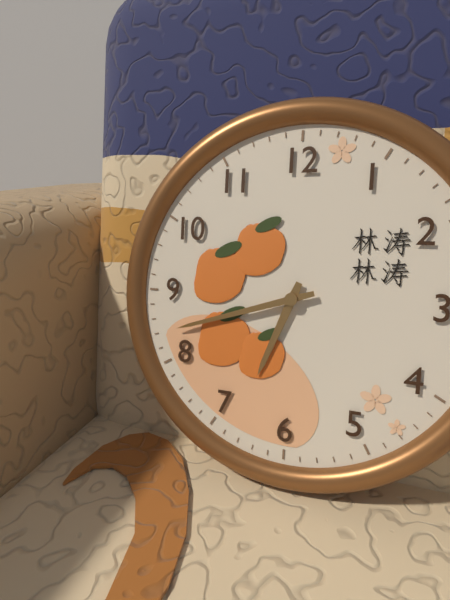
**6:42**
